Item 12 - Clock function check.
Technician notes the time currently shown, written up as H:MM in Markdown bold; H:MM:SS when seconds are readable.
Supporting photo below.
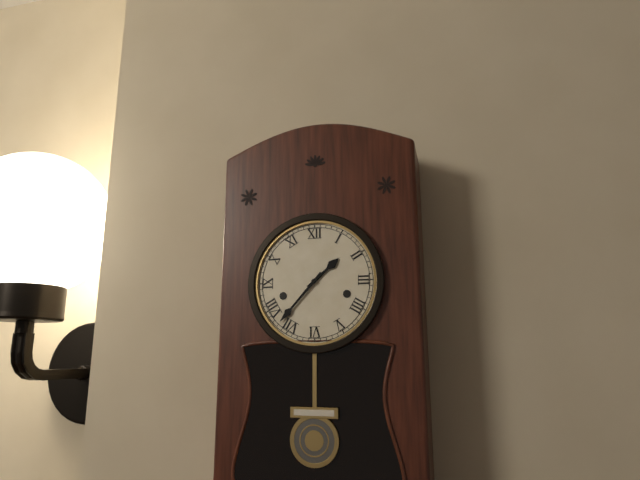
**1:37**
